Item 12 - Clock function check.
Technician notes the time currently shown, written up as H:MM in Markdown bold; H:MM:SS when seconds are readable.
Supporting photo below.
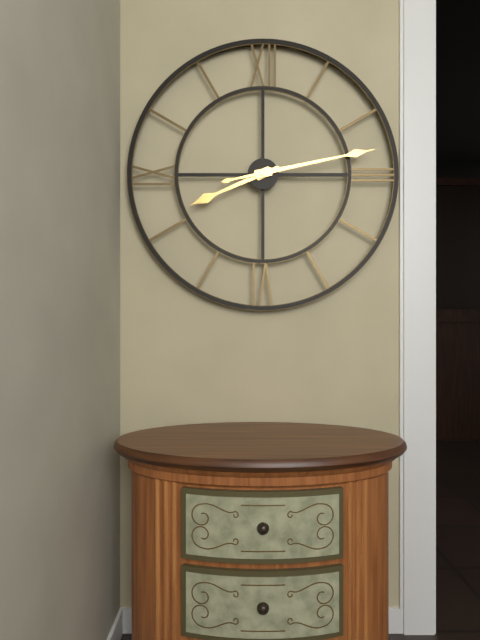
**8:13**
